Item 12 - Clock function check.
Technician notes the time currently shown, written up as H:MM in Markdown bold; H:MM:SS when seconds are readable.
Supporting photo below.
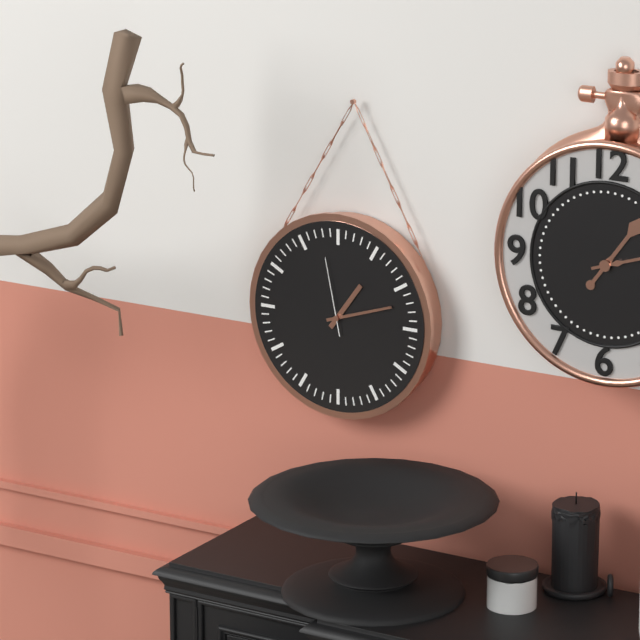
**1:12:58**
